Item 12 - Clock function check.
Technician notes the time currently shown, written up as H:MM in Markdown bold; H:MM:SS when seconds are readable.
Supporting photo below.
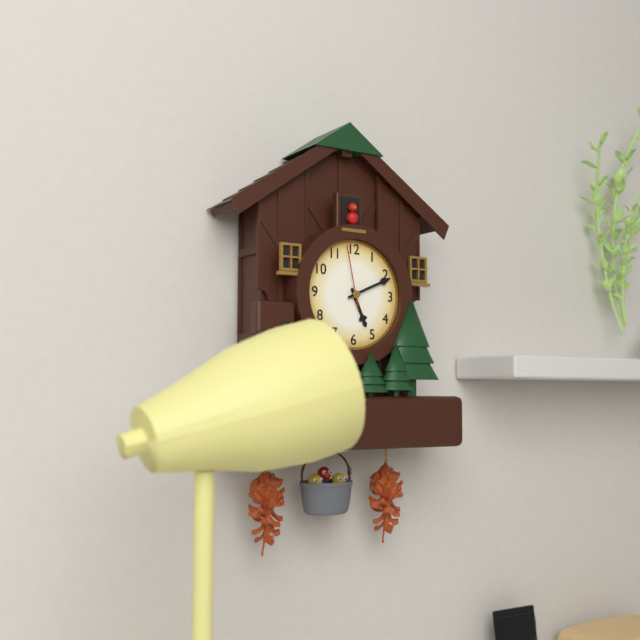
**5:11:58**
